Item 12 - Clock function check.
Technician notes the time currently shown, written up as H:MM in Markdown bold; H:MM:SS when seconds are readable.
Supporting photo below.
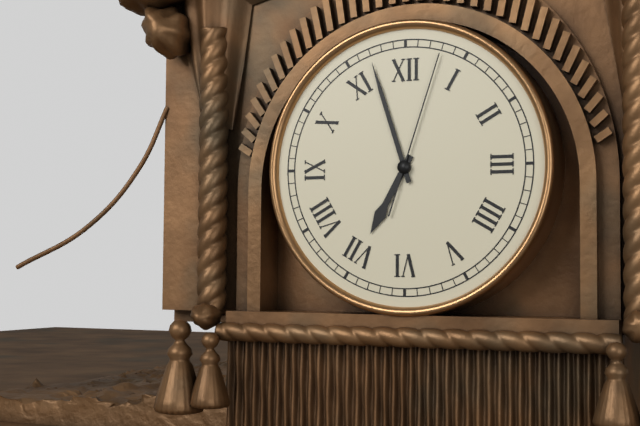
**6:57:03**
